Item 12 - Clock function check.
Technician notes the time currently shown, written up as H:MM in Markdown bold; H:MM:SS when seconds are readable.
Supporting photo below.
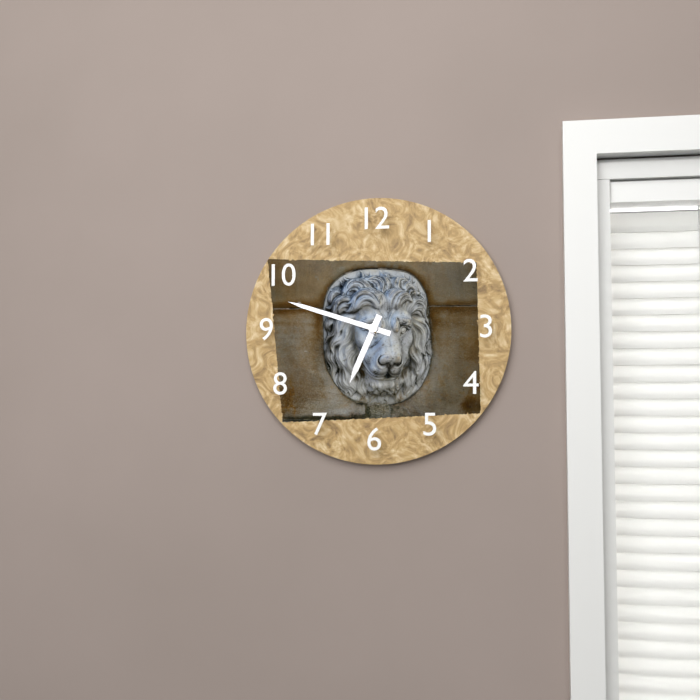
**6:48**
